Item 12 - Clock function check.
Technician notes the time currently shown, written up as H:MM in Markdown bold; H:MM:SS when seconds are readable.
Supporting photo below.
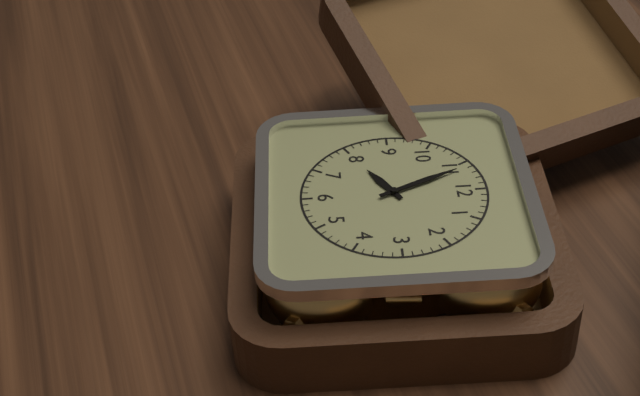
**7:56**
